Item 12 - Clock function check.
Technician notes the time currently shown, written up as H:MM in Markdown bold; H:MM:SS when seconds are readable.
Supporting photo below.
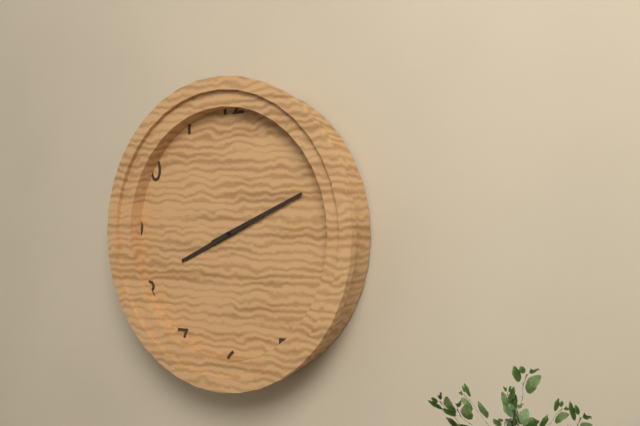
**8:11**
